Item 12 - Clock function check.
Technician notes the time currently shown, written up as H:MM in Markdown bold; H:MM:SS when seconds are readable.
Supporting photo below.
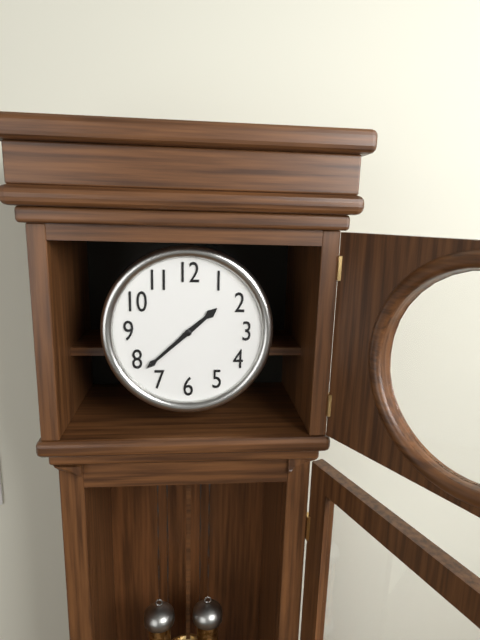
**1:38**
